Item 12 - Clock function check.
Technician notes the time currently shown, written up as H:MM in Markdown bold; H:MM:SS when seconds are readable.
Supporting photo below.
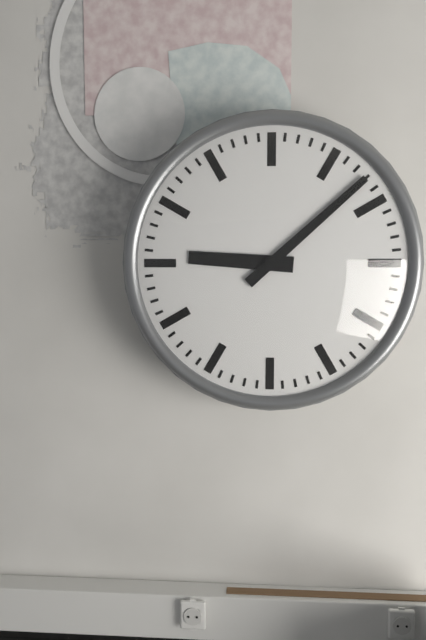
**9:08**
